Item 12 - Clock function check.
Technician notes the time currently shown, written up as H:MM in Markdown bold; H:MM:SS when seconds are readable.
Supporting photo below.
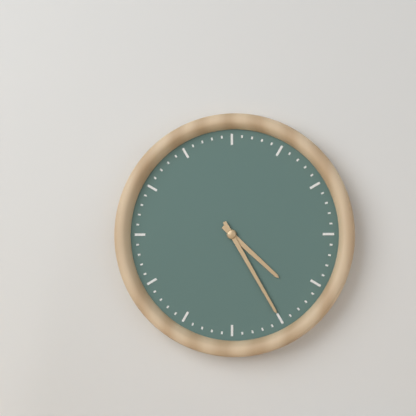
**4:25**
